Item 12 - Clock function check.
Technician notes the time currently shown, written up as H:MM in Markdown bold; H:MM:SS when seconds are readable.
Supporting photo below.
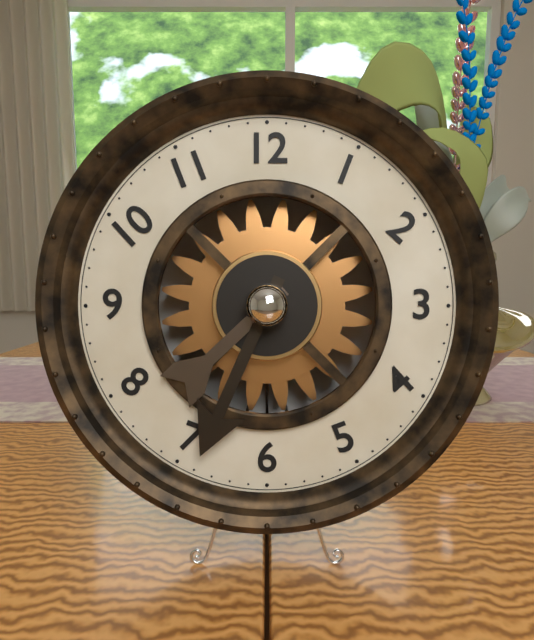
**7:34**
